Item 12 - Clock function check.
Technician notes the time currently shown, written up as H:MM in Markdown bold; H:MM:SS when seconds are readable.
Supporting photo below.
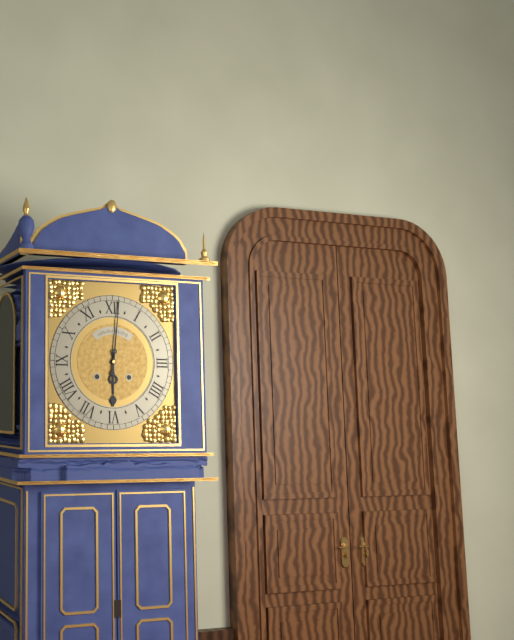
**6:01**
